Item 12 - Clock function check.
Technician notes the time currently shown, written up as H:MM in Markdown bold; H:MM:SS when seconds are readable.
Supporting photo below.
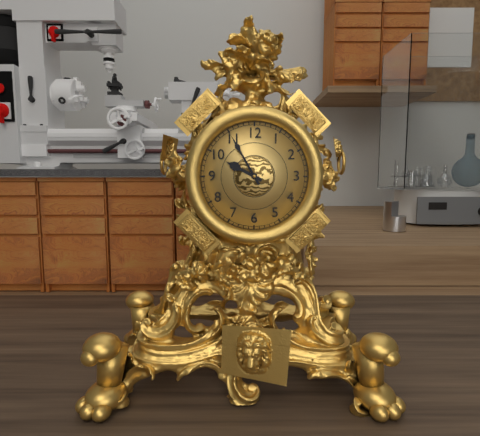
**9:55**
